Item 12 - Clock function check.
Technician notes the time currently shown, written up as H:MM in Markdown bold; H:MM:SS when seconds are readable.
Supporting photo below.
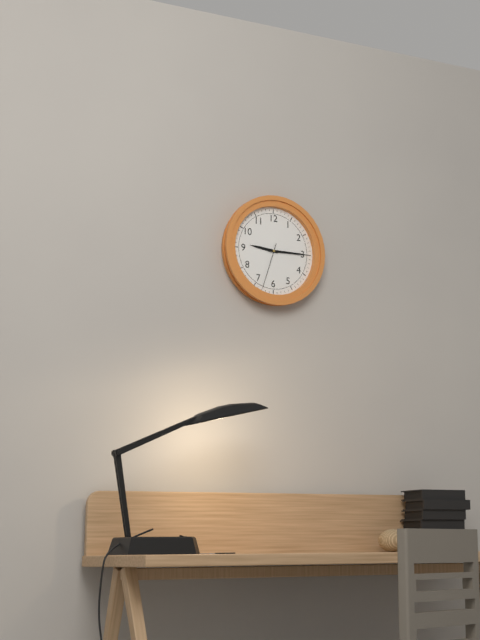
**9:15**
